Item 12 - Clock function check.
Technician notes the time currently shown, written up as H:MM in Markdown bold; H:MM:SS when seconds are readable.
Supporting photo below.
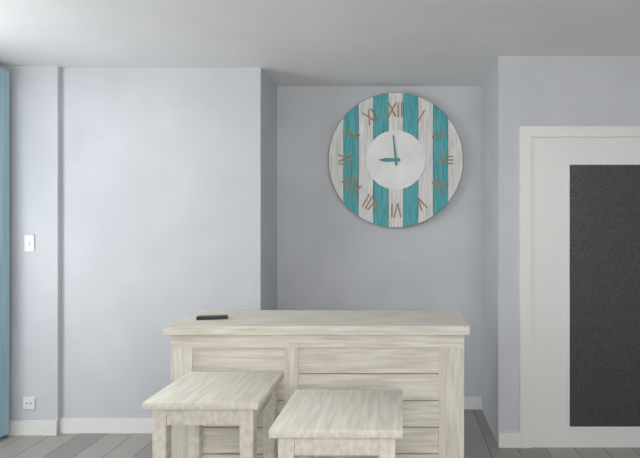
**8:59**
